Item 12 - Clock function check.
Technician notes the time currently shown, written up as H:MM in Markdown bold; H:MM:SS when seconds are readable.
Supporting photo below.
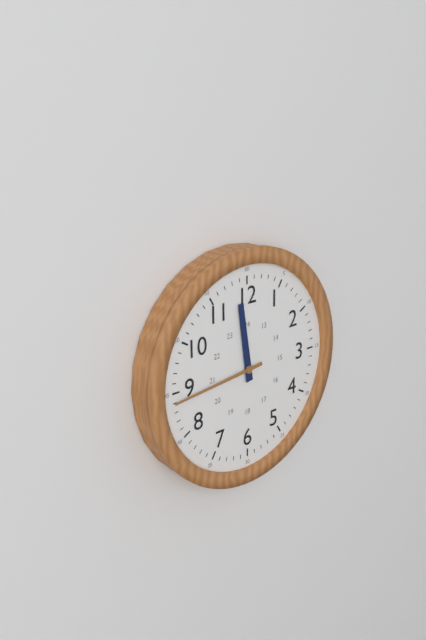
**11:44**
